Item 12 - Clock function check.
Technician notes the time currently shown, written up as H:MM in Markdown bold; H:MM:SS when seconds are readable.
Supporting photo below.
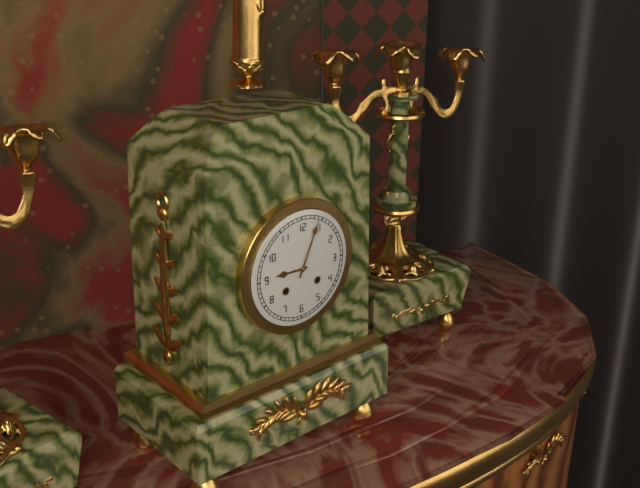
**9:04**
